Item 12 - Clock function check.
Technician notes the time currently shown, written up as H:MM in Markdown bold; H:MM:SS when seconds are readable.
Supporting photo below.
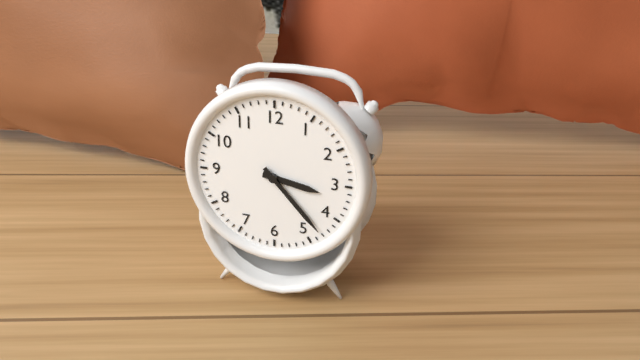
**3:23**
